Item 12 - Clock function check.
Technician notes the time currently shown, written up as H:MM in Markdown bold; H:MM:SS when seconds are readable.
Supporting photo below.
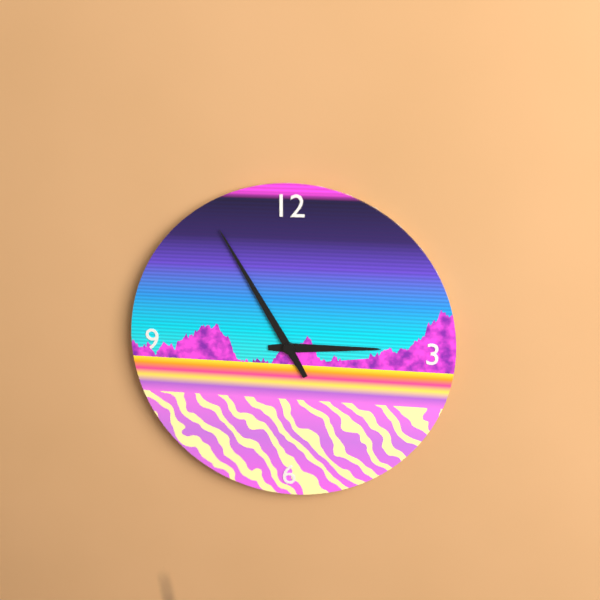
**2:55**
